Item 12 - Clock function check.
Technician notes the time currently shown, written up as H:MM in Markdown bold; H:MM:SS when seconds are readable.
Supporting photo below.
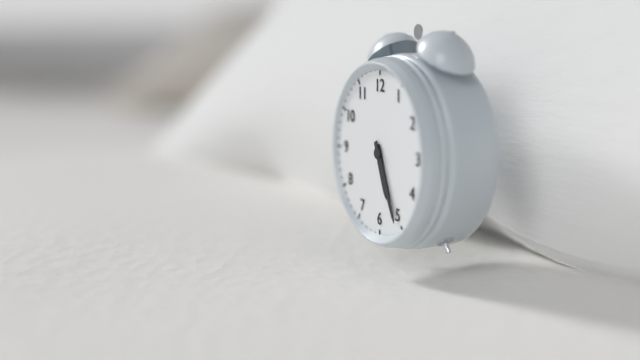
**5:26**
